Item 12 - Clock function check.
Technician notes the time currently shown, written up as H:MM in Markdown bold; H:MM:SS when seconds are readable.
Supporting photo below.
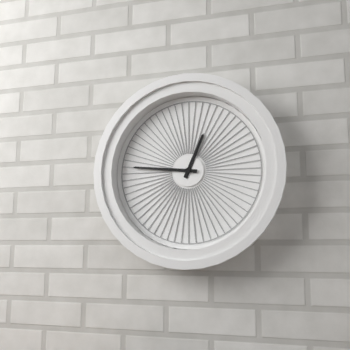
**12:46**
